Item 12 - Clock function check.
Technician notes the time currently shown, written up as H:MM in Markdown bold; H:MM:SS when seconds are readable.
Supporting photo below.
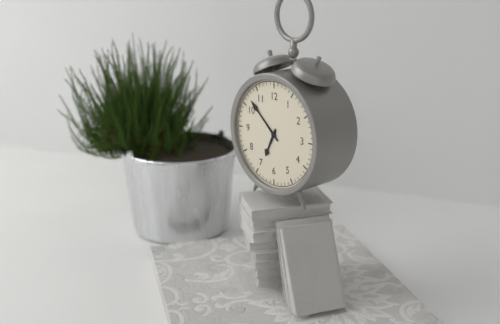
**6:52**
